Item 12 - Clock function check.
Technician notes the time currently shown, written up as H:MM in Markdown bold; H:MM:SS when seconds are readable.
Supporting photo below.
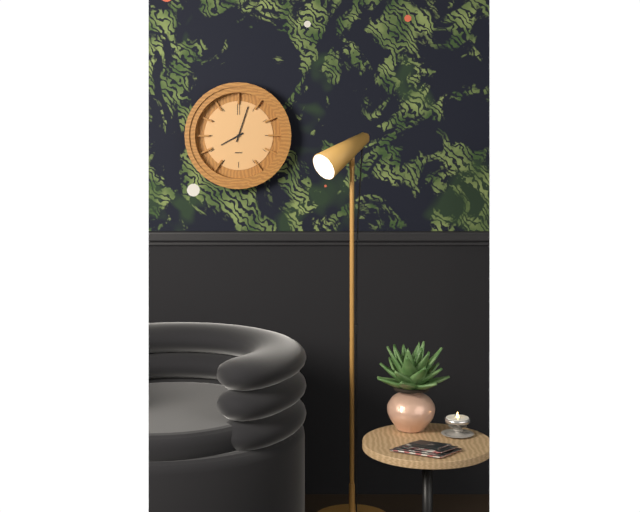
**8:03**
